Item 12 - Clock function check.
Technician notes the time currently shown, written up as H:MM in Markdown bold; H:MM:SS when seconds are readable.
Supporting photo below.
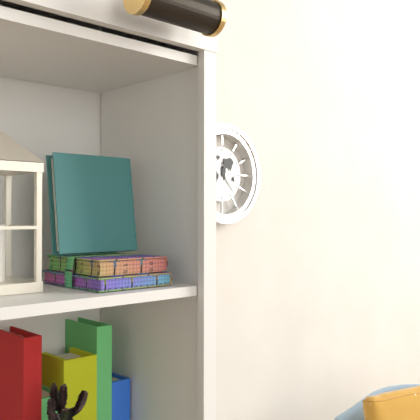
**12:23**
